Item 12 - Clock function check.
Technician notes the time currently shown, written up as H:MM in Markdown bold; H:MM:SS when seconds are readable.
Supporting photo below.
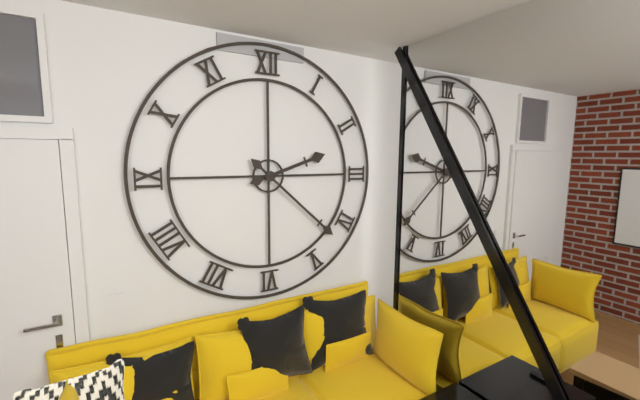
**2:22**
